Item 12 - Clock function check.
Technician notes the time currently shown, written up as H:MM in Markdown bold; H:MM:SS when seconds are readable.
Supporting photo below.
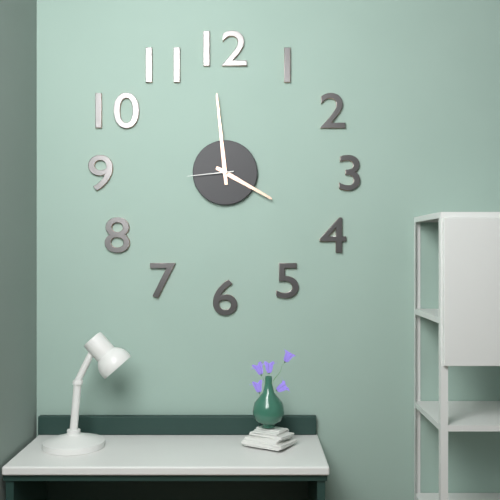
**3:59**
